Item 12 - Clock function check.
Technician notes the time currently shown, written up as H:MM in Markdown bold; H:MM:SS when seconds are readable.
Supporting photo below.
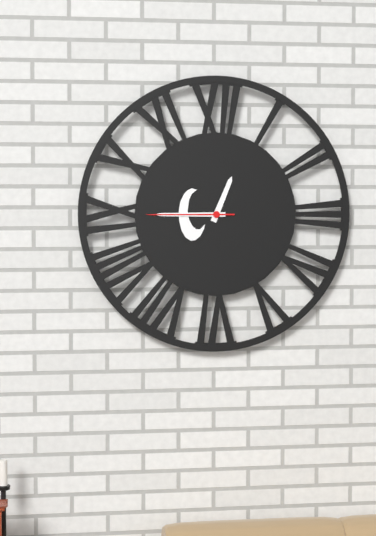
**12:45:45**
